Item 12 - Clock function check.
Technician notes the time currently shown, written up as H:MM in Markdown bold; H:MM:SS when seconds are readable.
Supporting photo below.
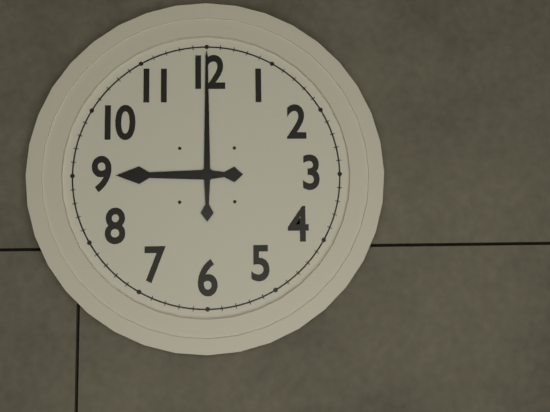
**9:00**
